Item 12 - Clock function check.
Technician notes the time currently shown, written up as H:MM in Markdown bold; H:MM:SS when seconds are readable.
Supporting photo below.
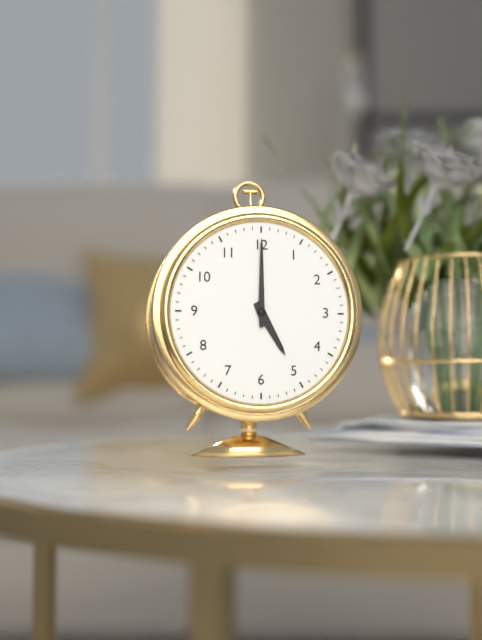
**5:00**
